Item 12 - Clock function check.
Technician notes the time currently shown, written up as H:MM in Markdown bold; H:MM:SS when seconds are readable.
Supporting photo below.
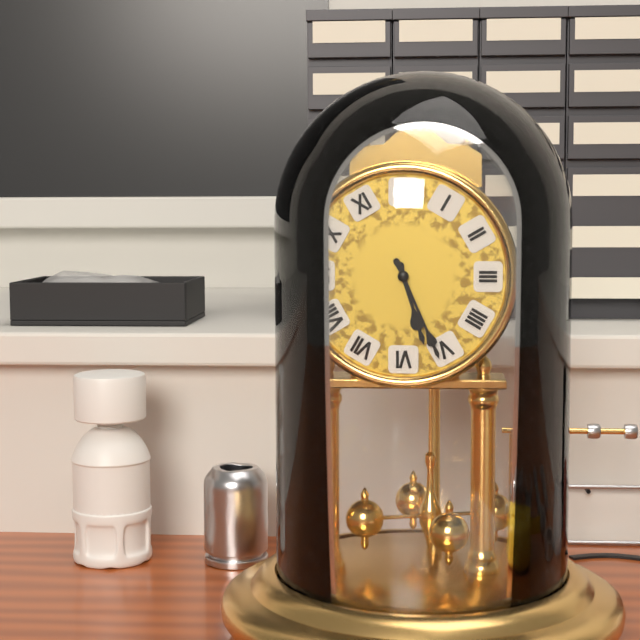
**5:26**
